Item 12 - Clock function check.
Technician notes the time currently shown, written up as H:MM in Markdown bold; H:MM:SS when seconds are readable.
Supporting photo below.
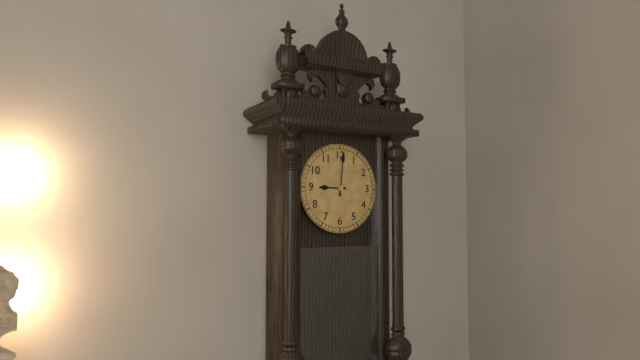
**9:01**
